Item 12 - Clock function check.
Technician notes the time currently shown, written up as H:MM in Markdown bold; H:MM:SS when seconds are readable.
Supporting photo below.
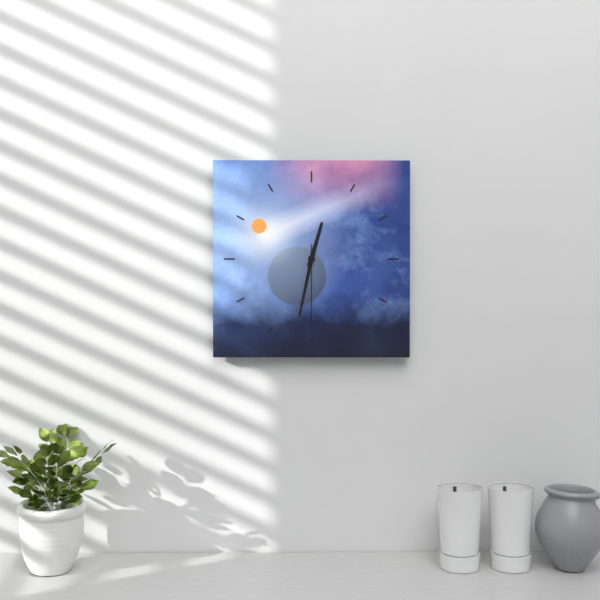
**12:32:30**
